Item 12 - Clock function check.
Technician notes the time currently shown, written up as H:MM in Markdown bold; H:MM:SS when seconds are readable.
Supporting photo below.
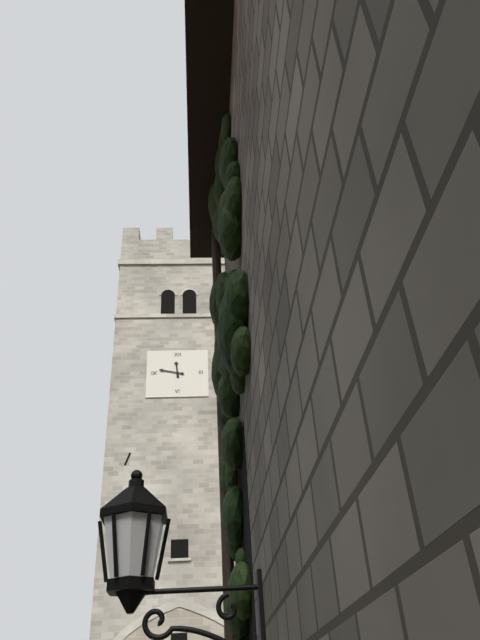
**11:47**
